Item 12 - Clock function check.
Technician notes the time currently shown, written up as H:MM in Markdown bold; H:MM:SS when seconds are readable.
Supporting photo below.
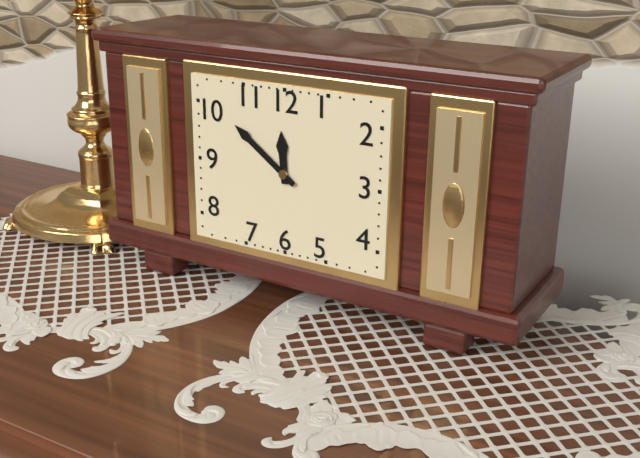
**11:51**
